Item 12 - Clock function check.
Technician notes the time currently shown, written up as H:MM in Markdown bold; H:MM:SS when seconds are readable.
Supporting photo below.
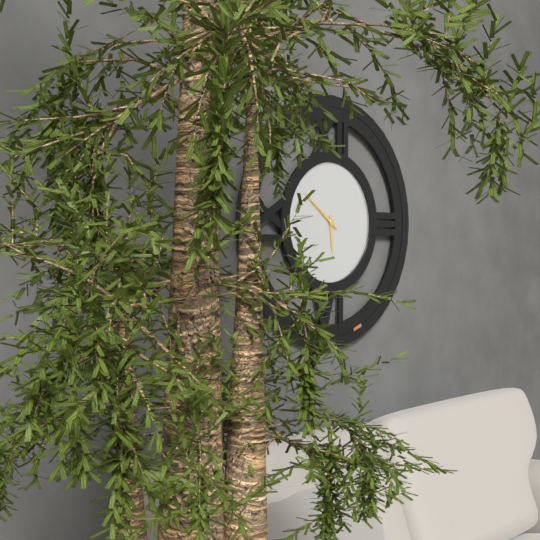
**5:51**
